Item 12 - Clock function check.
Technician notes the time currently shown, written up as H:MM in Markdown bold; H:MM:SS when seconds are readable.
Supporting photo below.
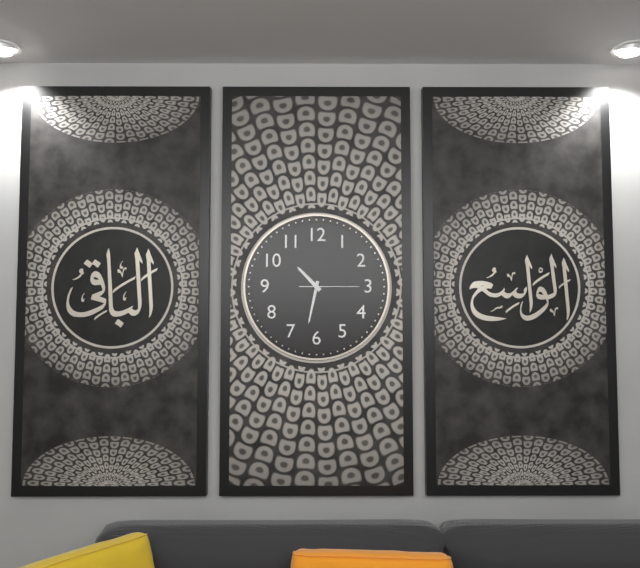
**10:32:15**
